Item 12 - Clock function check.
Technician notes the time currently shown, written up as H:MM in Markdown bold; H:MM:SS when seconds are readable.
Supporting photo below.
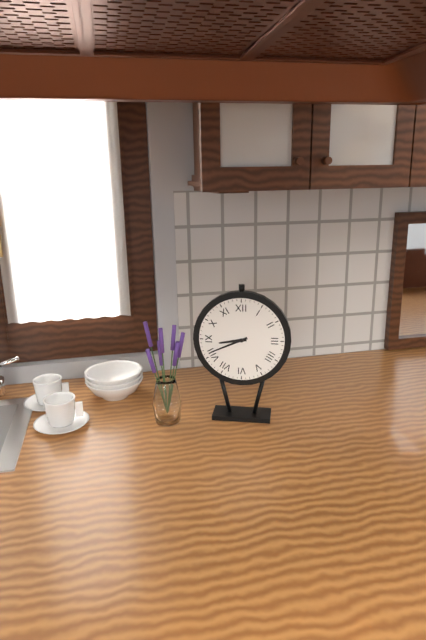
**8:41**
